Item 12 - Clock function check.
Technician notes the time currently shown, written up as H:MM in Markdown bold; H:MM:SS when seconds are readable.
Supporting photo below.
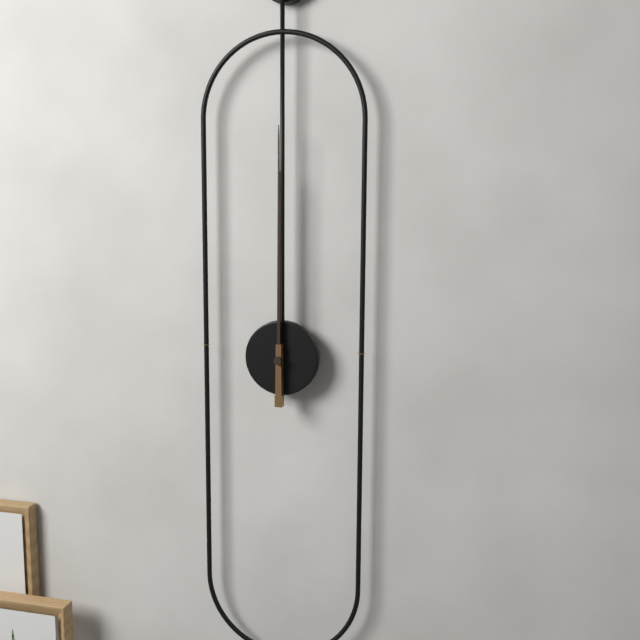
**12:00**
